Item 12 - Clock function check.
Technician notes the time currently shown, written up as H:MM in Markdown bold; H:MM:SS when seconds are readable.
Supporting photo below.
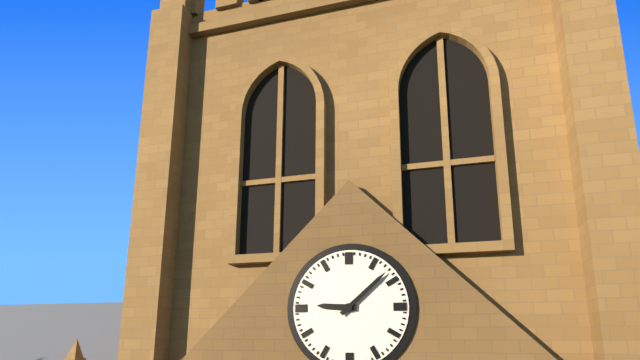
**9:08**
